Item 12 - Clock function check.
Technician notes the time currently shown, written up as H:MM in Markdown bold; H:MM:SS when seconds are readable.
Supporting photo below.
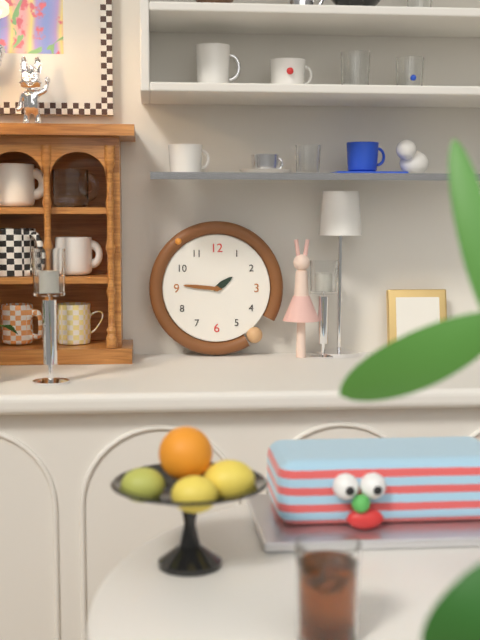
**1:46**
